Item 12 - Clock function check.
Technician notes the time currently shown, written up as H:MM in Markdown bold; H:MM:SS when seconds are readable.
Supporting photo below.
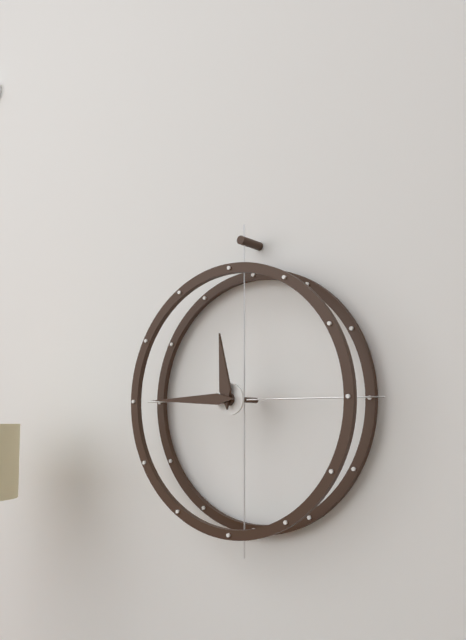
**11:45**
